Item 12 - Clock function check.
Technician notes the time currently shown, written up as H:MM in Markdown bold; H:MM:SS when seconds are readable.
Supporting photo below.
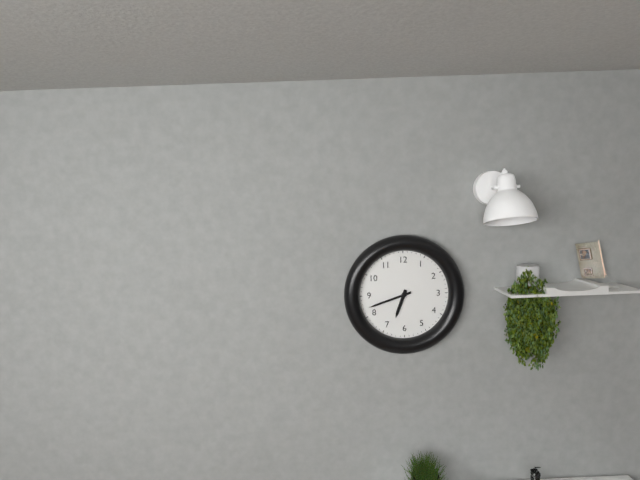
**6:42**
